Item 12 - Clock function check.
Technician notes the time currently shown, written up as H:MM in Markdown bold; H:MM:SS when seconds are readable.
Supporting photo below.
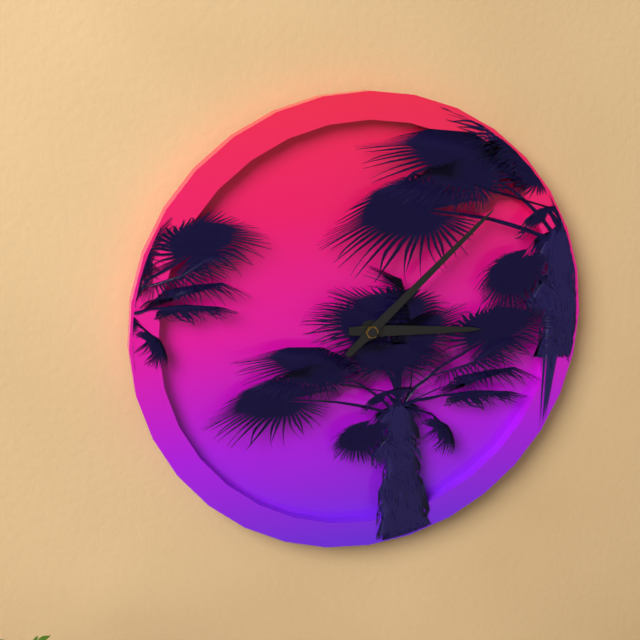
**3:08**
